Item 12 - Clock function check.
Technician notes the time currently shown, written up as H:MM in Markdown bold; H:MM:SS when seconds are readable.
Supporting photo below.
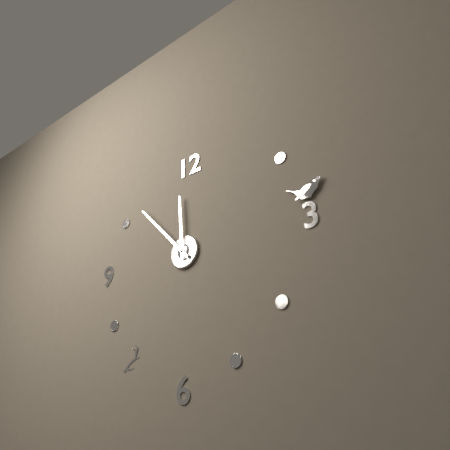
**11:53**
